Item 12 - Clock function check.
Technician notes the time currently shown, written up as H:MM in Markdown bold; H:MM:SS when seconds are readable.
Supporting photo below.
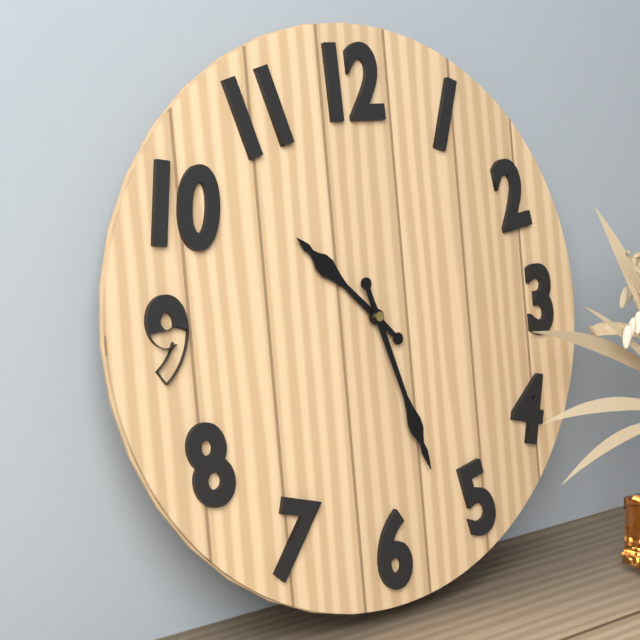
**10:27**
